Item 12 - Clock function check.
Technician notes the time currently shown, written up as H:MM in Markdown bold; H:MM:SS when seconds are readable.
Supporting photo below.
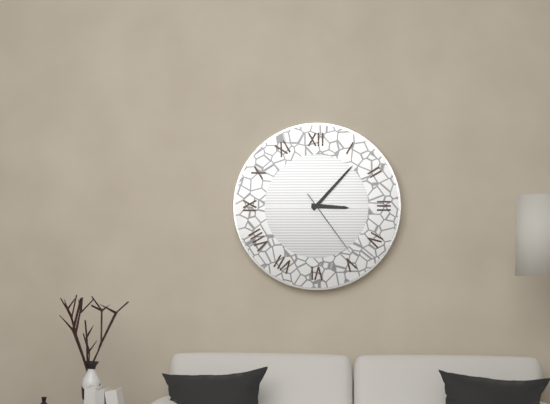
**3:07:24**
